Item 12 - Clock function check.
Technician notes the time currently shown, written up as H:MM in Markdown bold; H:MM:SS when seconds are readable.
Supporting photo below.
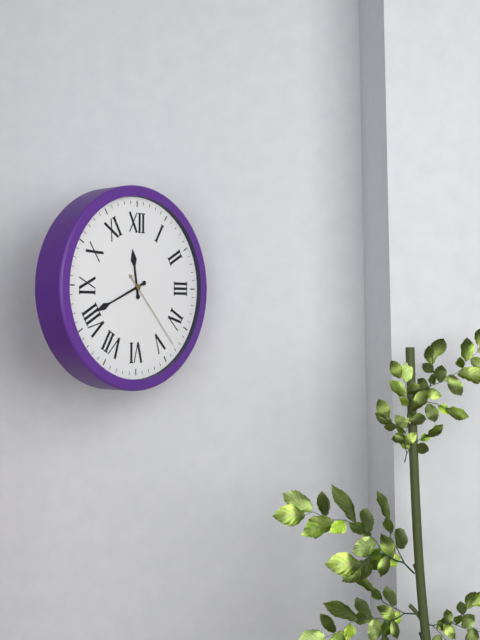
**11:41:23**
